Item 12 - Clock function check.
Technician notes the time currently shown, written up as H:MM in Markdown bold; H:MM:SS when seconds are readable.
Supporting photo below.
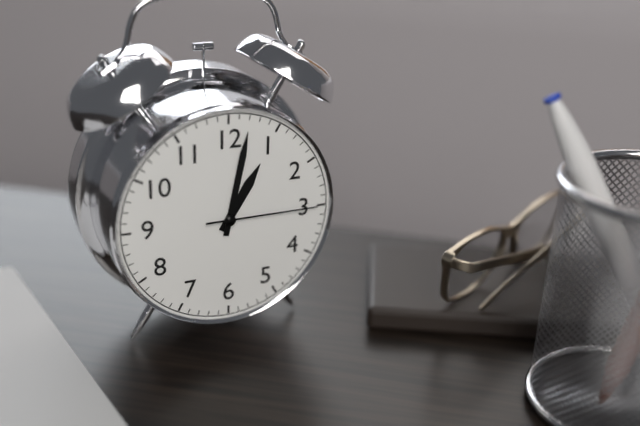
**1:02:15**
